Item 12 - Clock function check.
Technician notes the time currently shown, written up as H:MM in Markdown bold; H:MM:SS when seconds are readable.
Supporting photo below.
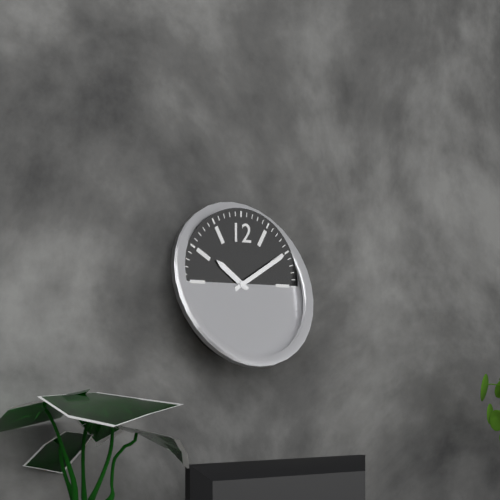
**10:10**
